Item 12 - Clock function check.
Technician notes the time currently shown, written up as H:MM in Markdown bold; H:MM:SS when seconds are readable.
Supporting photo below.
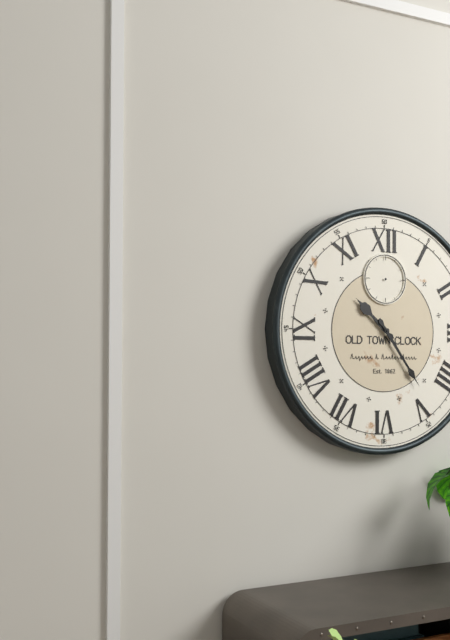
**10:24**
